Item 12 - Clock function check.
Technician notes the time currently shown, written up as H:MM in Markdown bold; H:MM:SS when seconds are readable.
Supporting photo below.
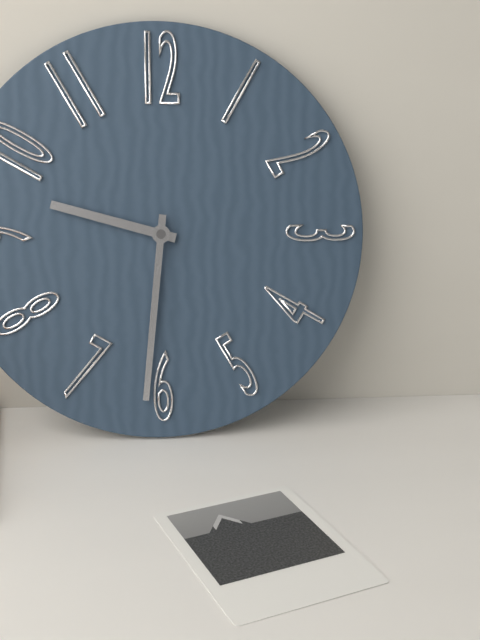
**9:31**
